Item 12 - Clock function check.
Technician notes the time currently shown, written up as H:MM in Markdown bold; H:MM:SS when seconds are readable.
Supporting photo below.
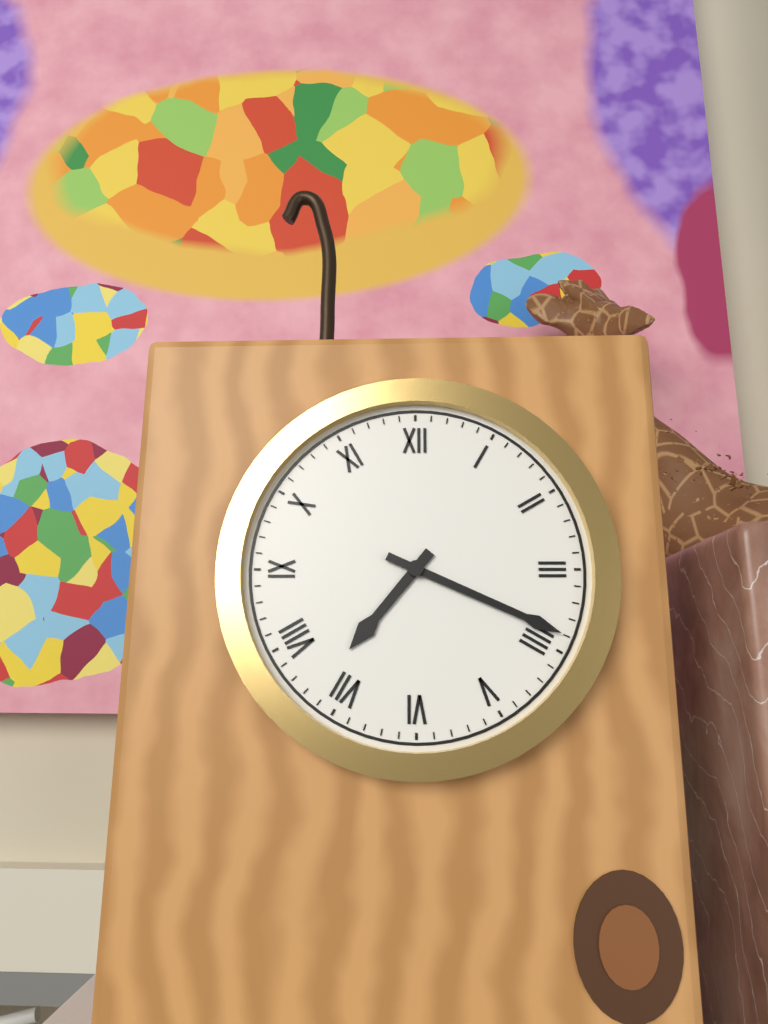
**7:19**
